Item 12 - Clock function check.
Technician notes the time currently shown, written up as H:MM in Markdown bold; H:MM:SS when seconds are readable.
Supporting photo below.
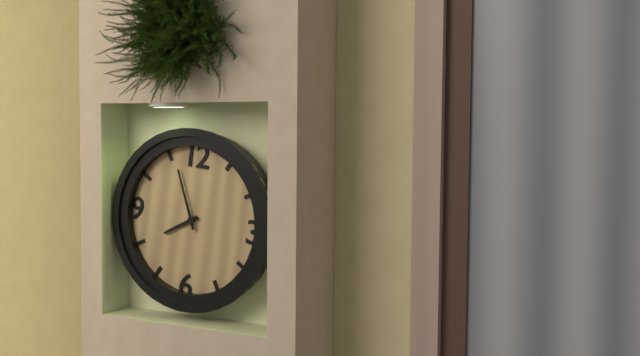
**7:56**
